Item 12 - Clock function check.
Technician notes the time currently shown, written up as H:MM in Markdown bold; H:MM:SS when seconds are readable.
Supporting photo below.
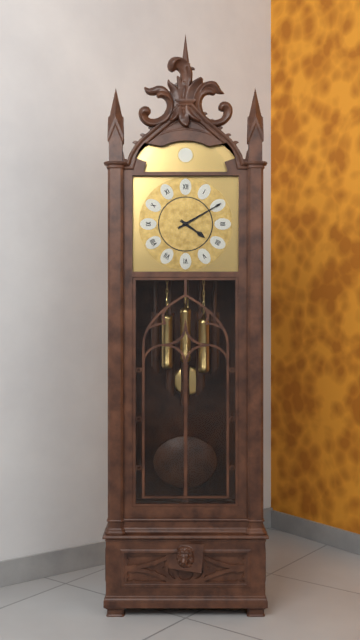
**4:10**
